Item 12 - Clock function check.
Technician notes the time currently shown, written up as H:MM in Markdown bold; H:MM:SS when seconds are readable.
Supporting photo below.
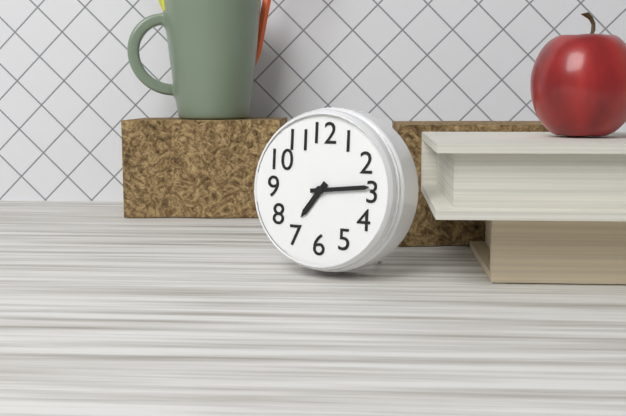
**7:14**
